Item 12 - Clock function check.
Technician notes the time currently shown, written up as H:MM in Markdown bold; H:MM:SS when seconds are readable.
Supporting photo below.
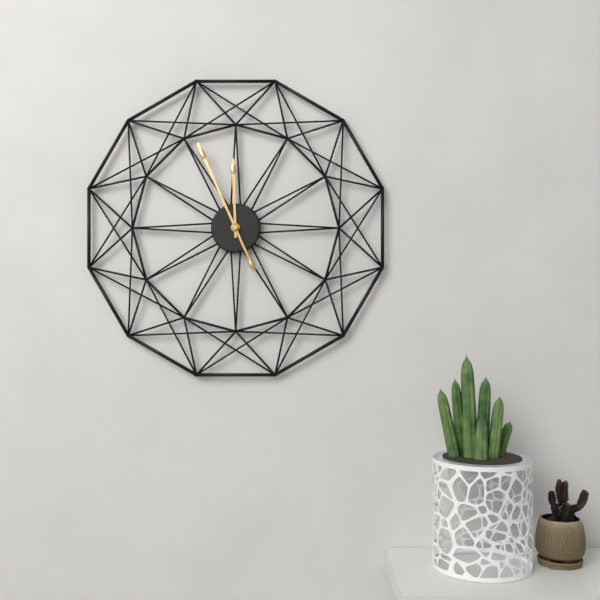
**11:56**
